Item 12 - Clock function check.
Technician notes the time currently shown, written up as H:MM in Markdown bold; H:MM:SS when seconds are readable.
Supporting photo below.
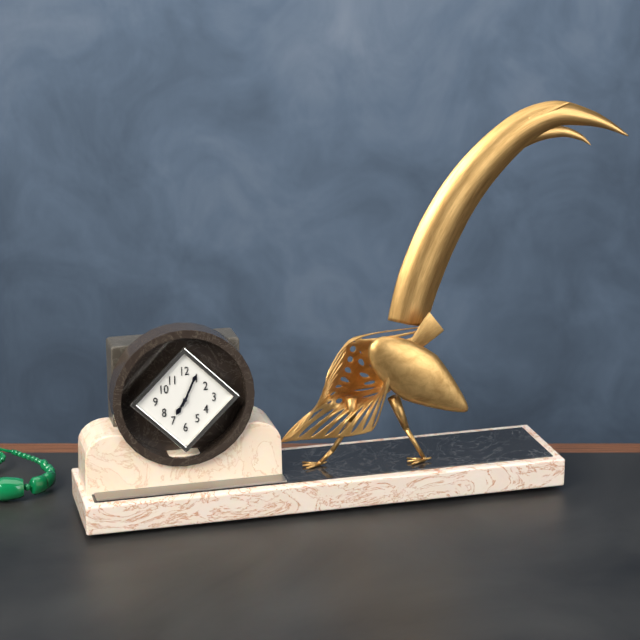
**7:04**
